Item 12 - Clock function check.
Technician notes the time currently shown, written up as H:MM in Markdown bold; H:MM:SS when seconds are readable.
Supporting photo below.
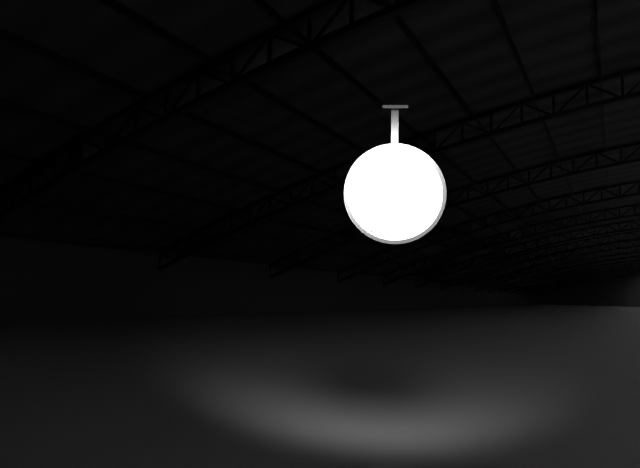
**1:55**
